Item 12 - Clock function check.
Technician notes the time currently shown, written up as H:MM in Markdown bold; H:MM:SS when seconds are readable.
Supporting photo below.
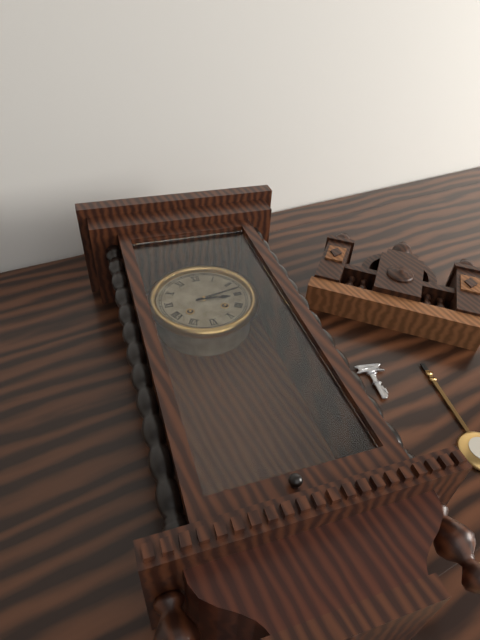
**3:13**
